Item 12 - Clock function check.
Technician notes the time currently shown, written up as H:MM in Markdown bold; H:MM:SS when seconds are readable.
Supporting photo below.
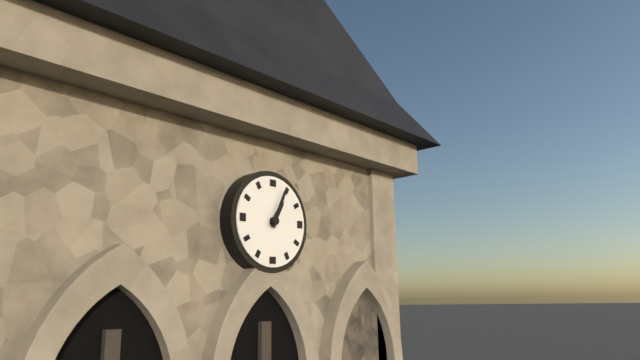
**1:04**
